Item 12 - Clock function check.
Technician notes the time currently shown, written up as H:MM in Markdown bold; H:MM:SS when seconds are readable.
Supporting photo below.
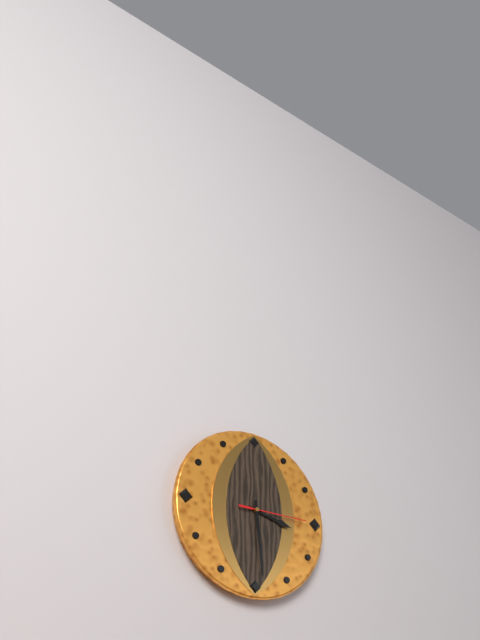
**3:29:15**
